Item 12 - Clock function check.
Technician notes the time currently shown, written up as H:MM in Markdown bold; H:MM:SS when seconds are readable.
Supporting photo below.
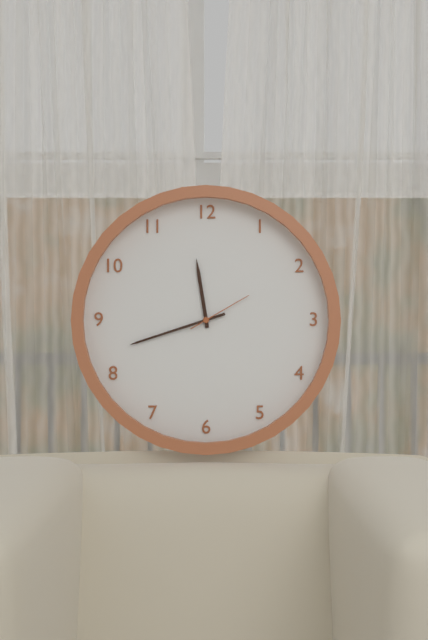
**11:42:10**
